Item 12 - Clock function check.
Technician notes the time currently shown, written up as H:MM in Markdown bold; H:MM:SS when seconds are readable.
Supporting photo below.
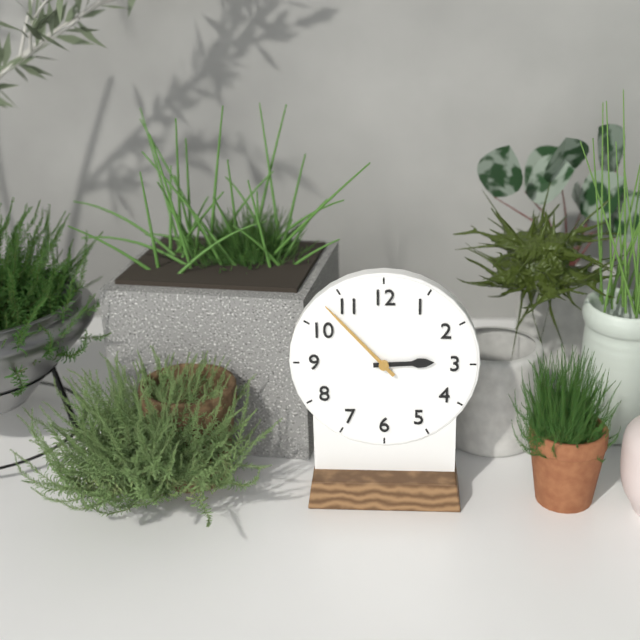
**2:53**
